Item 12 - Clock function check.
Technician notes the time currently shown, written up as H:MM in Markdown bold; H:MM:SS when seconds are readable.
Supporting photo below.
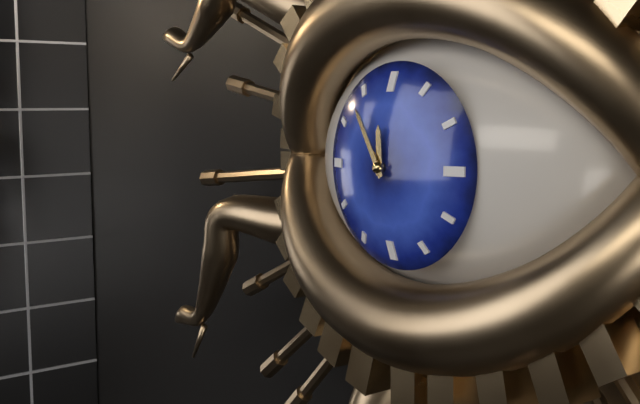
**11:55**
